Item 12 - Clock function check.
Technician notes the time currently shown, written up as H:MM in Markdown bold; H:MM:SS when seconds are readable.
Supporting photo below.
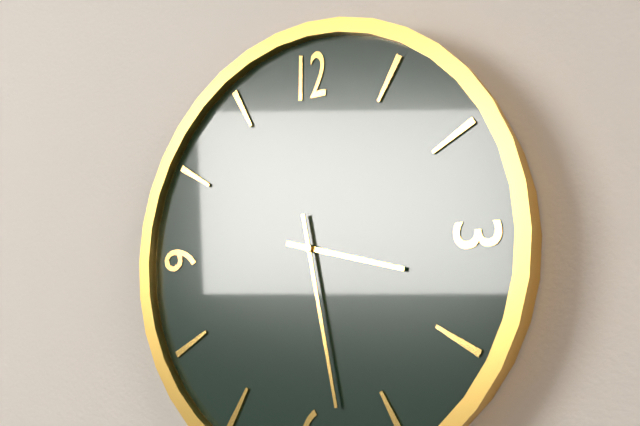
**3:28**
